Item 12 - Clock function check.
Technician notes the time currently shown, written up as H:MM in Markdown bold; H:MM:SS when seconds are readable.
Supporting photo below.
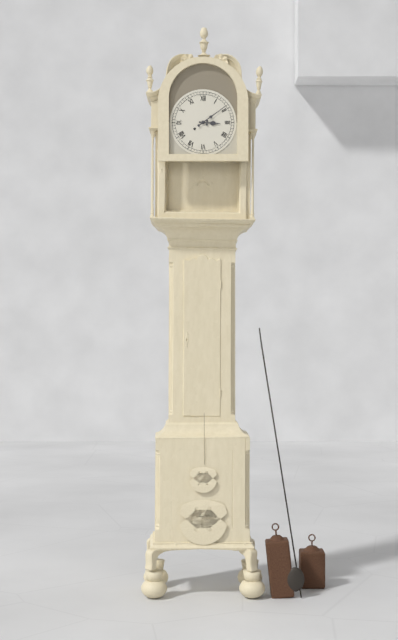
**3:09**
